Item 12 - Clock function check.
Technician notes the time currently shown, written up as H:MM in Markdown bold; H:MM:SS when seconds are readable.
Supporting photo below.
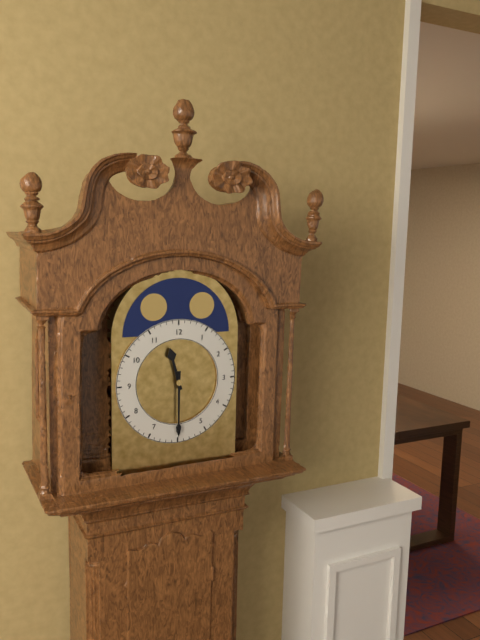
**11:30**
